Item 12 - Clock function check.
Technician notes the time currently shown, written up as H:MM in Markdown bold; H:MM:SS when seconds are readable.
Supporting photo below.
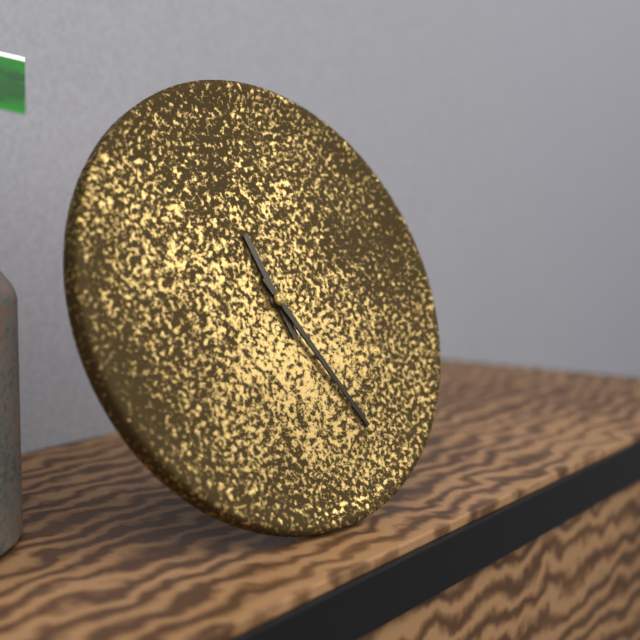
**11:25**
